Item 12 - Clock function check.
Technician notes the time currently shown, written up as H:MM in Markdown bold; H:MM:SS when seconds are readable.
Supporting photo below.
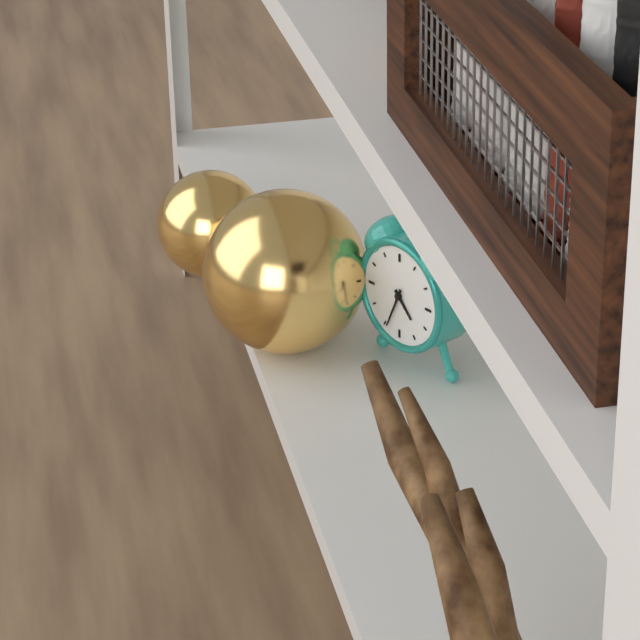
**4:34**
